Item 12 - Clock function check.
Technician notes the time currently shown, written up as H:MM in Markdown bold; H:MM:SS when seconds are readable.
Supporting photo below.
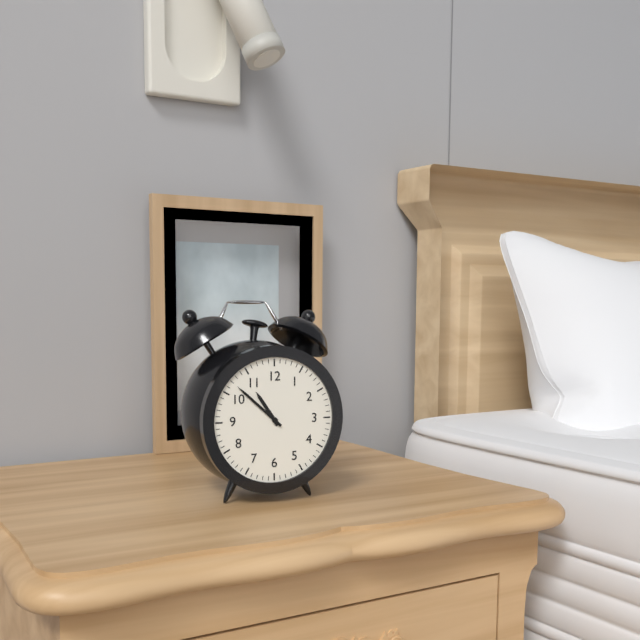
**10:52**
